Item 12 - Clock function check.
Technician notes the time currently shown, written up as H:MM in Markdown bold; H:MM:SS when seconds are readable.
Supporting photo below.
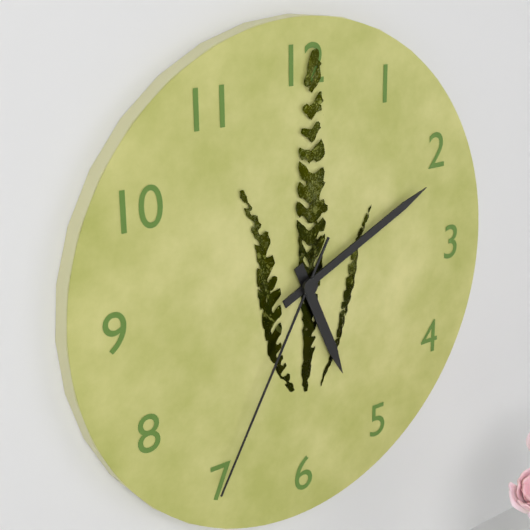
**5:11:35**
